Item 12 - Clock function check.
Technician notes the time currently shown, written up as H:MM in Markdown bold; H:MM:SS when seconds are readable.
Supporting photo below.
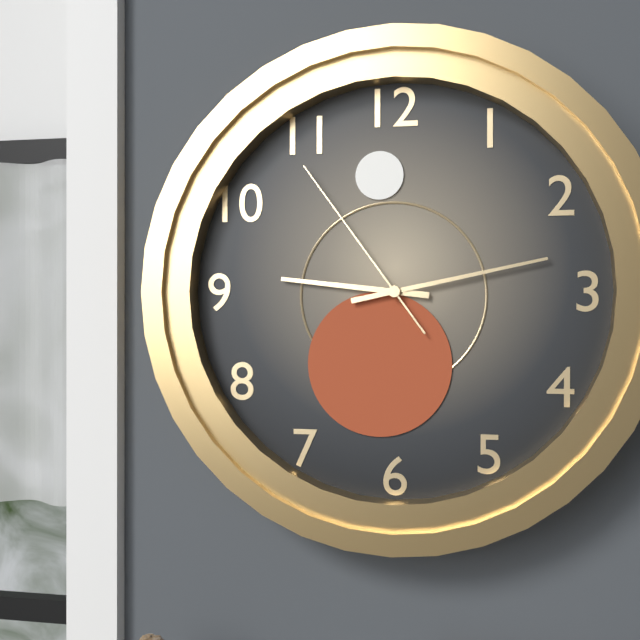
**9:13:54**
